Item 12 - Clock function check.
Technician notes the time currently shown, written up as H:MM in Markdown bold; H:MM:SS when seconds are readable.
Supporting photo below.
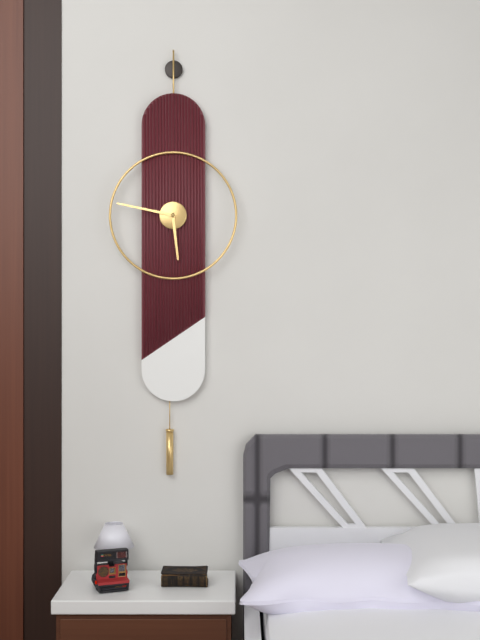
**5:47**
